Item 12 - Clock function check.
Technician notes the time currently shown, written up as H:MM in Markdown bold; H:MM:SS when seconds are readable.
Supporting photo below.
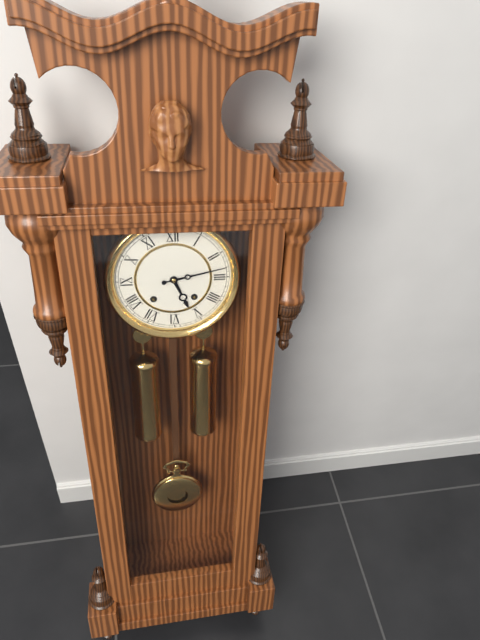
**5:13**
